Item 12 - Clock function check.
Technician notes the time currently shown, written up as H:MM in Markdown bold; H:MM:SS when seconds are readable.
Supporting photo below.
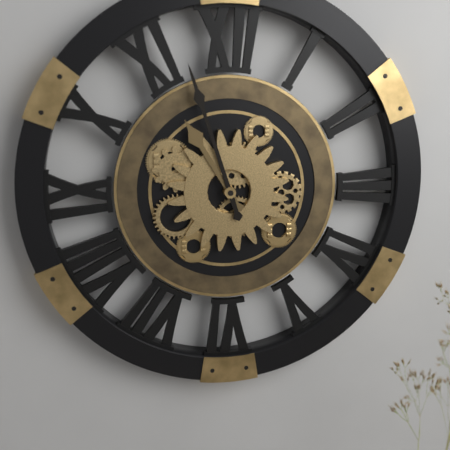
**10:57**
